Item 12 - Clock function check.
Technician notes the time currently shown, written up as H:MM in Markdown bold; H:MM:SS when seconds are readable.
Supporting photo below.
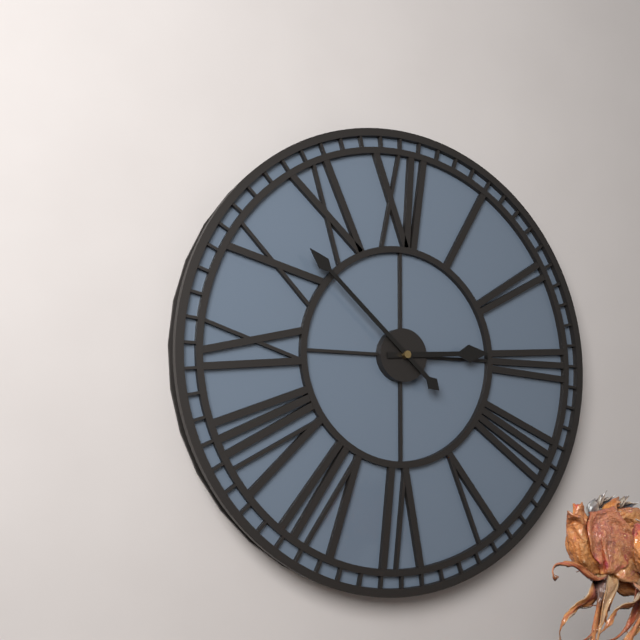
**2:52**
